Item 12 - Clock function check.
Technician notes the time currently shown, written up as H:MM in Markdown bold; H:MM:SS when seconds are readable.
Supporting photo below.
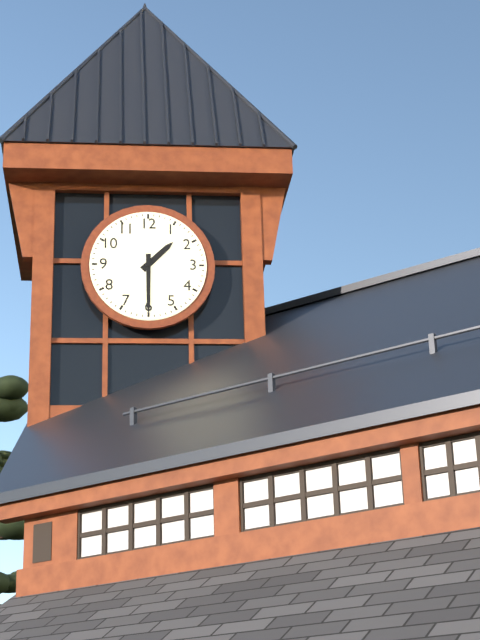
**1:30**
